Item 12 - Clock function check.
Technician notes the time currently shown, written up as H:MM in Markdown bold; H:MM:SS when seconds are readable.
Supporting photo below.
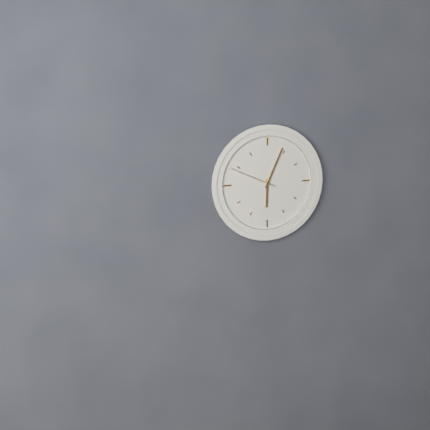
**6:04:49**
